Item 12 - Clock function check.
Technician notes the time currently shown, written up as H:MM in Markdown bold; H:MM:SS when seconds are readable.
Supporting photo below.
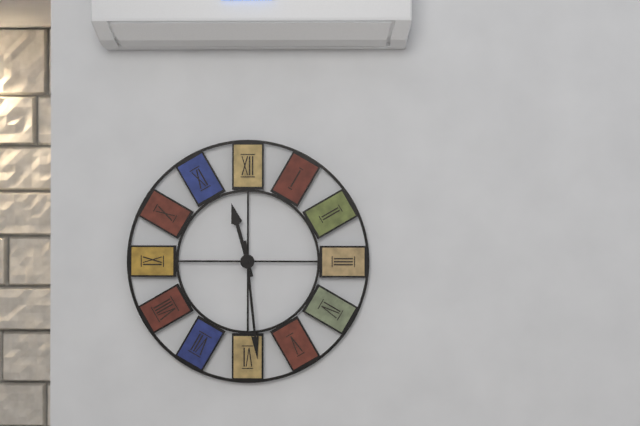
**11:29**
